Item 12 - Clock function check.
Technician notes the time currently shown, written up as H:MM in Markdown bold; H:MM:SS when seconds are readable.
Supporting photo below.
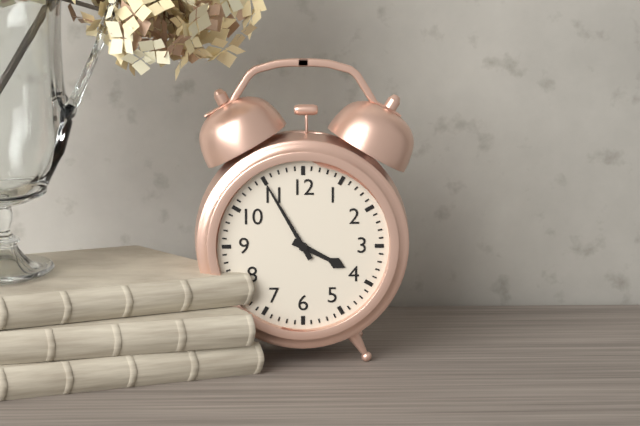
**3:55**
